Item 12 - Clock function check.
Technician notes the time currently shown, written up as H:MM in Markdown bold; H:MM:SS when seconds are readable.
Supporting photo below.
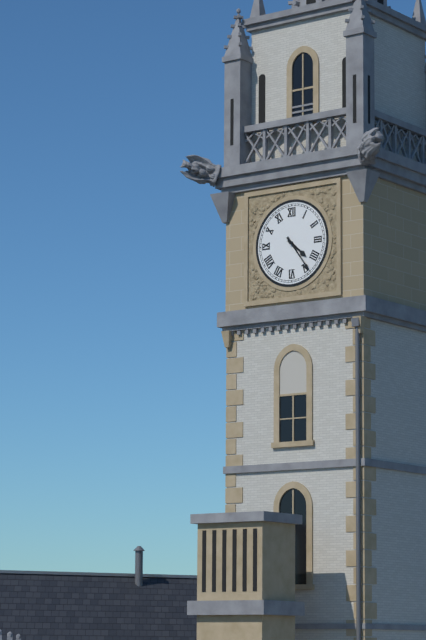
**4:24**
